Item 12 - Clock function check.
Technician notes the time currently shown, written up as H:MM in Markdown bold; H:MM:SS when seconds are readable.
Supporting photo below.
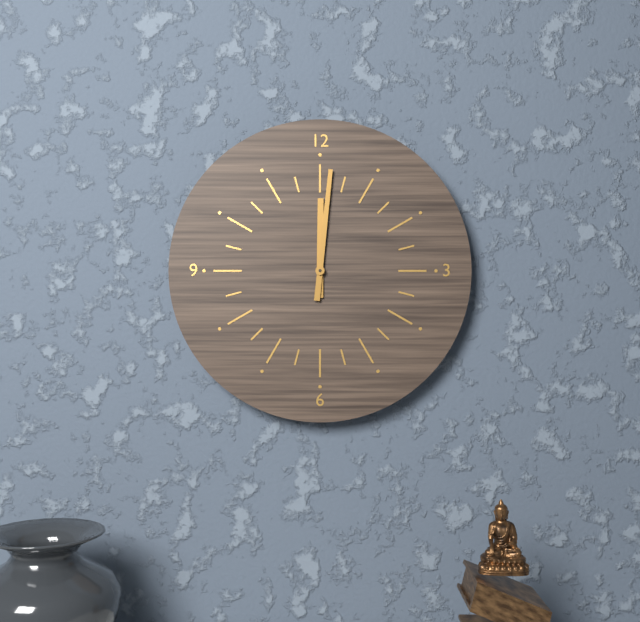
**12:01**
